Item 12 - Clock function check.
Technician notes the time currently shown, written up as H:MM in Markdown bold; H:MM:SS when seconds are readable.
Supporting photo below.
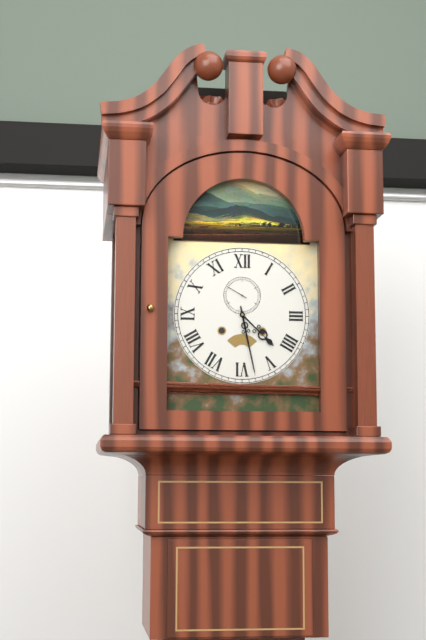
**4:28**
